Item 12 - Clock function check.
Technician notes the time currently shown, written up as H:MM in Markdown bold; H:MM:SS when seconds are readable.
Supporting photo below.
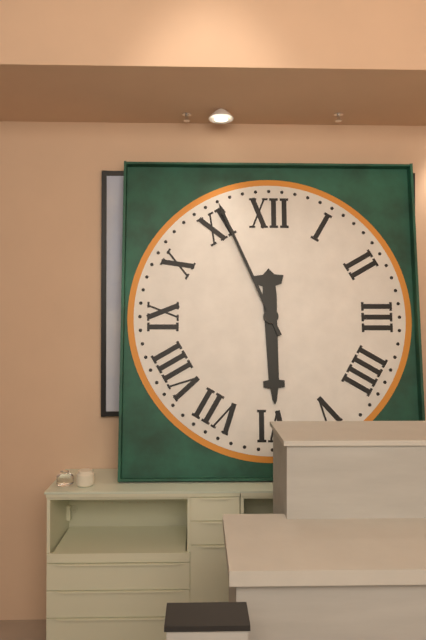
**5:56**
